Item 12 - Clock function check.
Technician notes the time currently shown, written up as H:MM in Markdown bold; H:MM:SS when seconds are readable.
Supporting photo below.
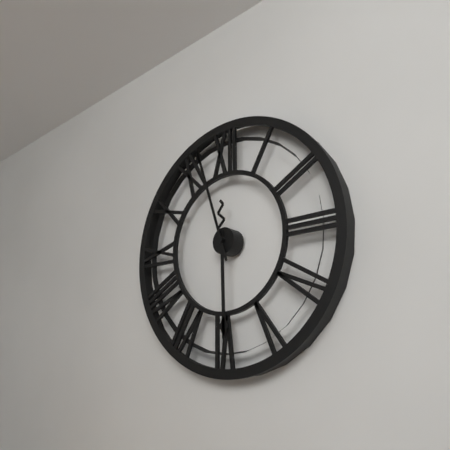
**5:57**
